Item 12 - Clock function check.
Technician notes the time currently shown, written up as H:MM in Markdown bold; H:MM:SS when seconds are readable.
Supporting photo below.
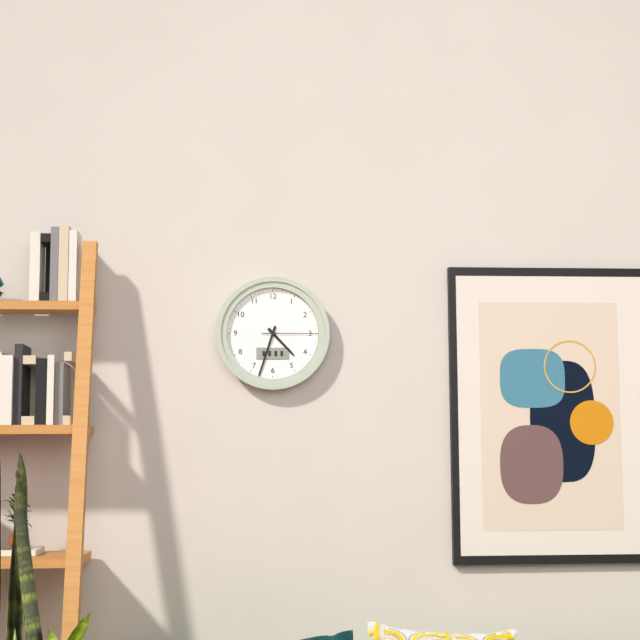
**4:33:15**
